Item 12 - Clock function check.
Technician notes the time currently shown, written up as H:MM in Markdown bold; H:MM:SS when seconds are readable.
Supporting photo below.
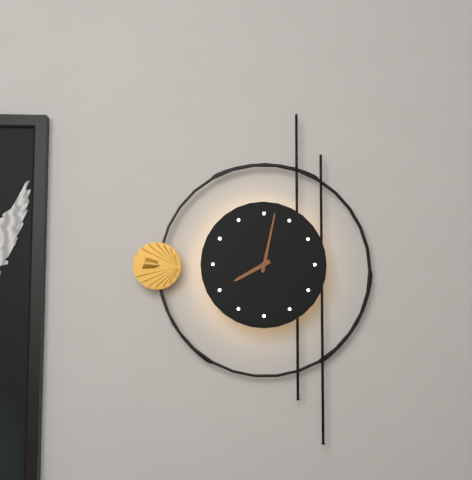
**8:02**
